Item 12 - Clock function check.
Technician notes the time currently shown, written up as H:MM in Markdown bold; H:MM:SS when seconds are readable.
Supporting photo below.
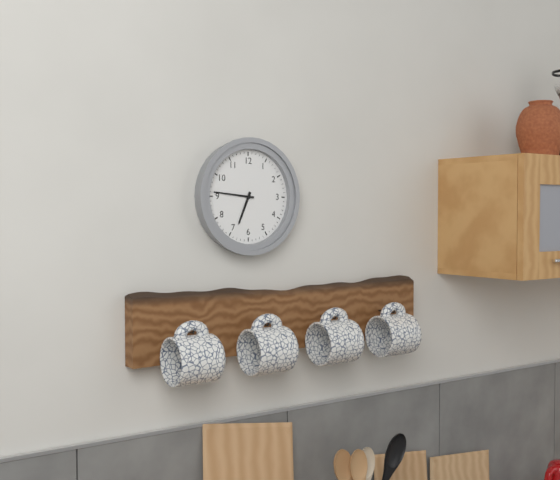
**6:46**
